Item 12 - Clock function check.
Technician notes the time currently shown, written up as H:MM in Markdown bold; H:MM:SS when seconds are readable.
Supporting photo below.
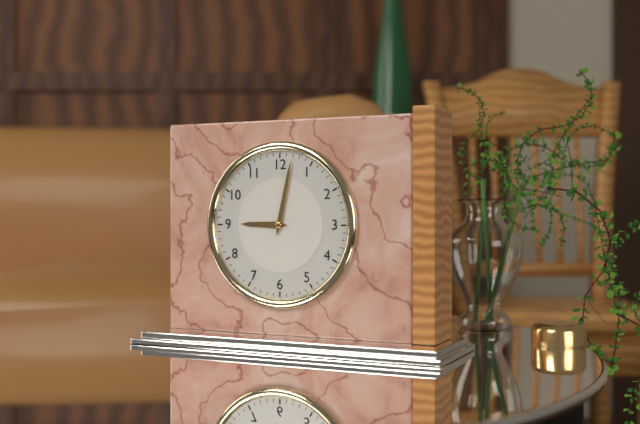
**9:02**
